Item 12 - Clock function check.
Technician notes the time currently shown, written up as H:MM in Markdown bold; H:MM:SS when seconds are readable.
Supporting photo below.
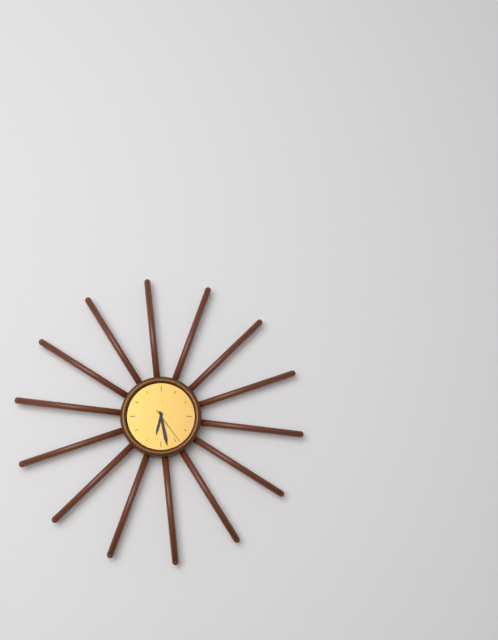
**6:28**
